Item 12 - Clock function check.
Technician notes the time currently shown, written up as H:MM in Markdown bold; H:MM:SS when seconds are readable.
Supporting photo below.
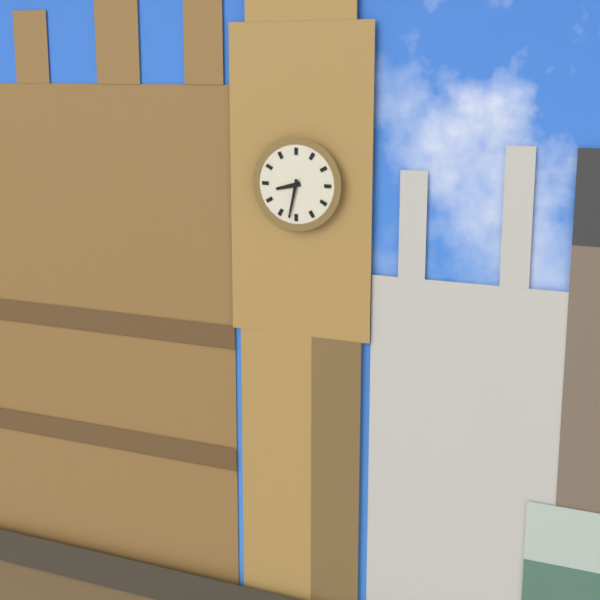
**8:32**
